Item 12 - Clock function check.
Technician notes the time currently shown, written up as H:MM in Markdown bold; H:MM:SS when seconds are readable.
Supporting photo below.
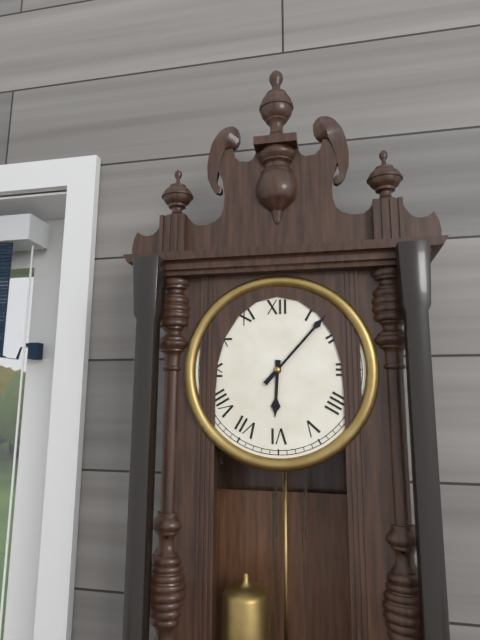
**6:07**
